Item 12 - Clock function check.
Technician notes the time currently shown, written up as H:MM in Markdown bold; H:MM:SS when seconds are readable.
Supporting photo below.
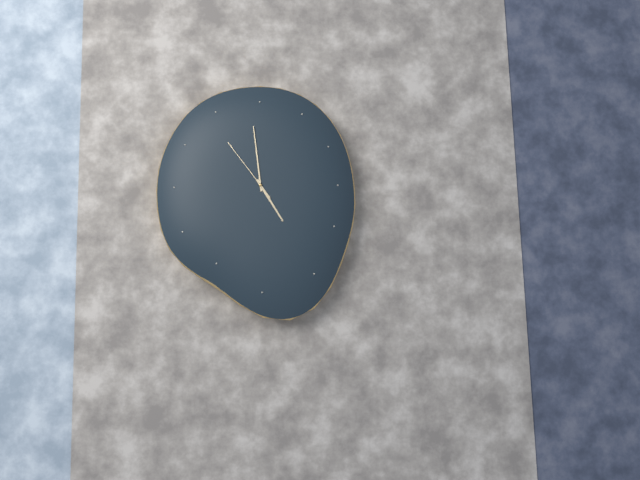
**4:59:54**
